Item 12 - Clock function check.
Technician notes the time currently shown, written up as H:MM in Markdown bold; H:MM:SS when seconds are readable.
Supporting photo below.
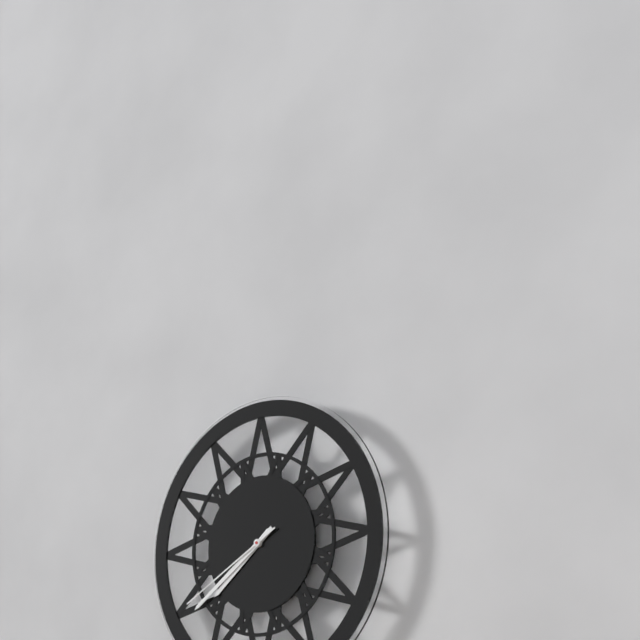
**7:39:40**
